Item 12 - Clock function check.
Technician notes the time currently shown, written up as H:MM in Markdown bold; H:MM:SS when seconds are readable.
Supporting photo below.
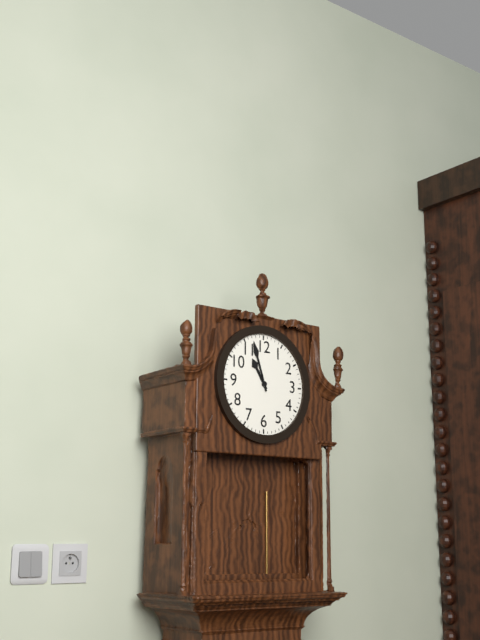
**10:57**
